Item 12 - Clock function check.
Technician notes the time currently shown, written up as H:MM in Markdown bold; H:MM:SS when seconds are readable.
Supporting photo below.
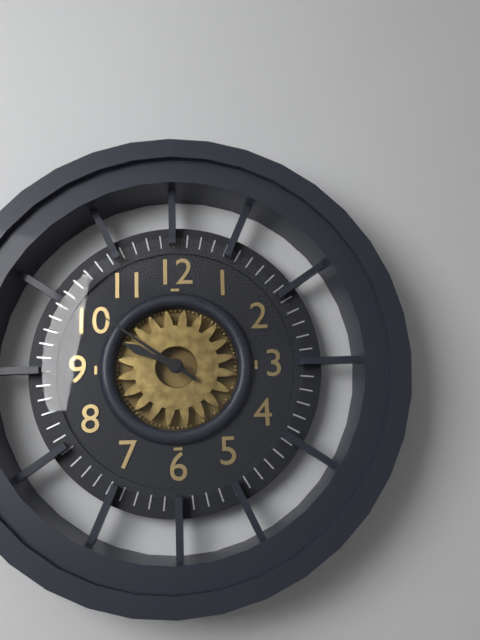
**9:51**
